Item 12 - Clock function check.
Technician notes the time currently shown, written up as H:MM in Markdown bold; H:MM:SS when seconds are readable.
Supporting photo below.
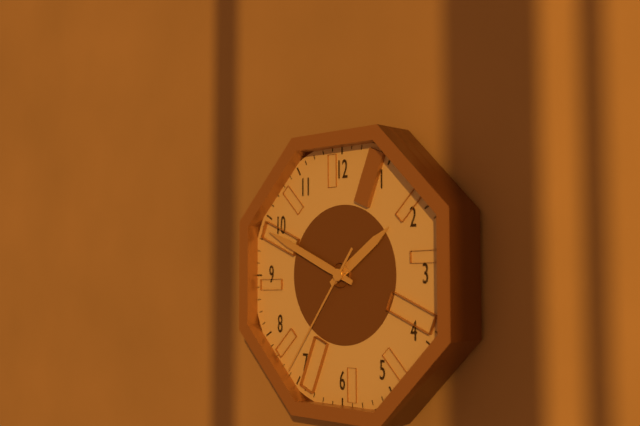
**1:49:36**
